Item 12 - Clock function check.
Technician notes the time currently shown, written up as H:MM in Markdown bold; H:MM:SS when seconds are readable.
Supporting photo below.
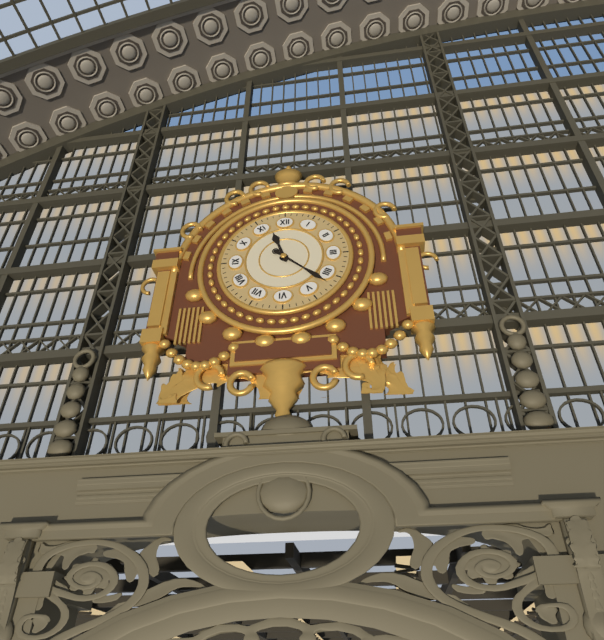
**11:22**
